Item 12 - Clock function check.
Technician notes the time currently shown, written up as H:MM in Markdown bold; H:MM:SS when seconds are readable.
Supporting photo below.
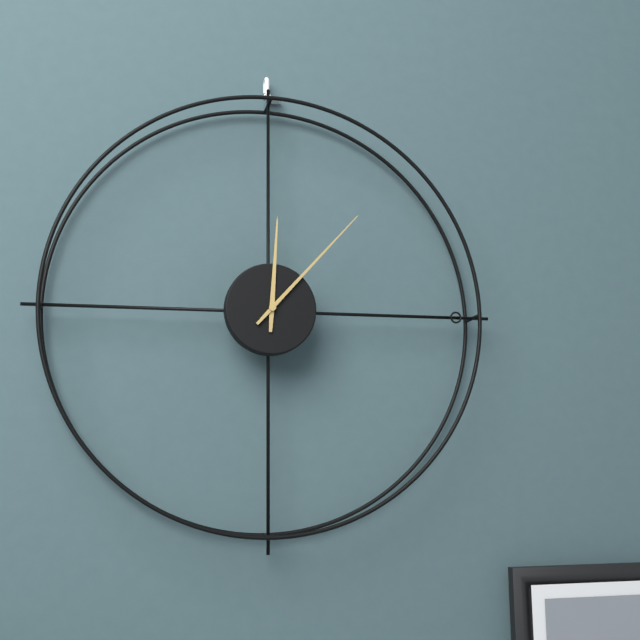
**12:07**
